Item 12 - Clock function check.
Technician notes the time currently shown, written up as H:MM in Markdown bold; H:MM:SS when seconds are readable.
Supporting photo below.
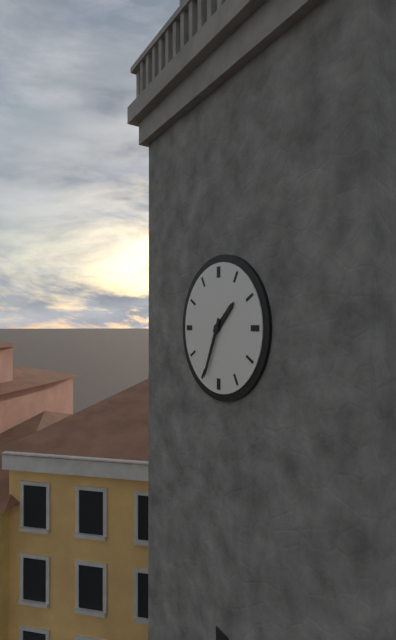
**1:34**
